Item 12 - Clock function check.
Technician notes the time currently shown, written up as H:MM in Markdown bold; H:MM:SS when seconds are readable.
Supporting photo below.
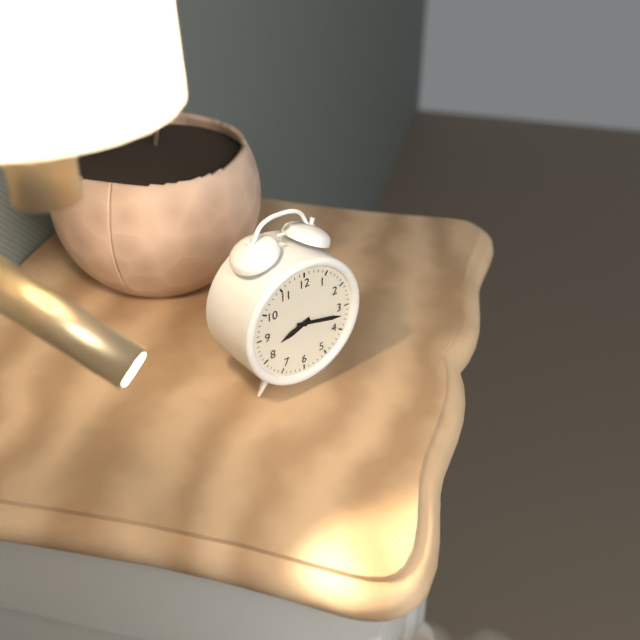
**8:17**
